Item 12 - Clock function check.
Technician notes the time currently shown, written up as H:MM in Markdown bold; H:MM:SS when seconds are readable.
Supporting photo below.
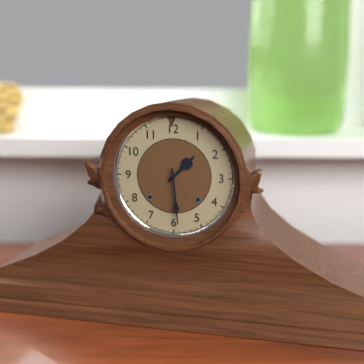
**1:29**
